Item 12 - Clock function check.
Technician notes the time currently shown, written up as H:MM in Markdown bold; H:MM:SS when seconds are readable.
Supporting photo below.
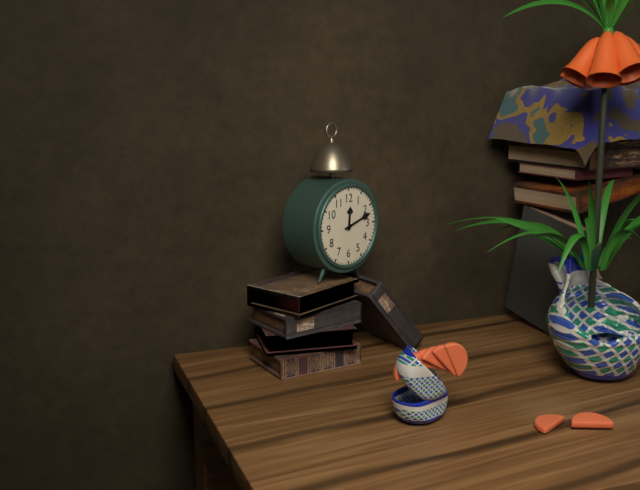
**12:12**
